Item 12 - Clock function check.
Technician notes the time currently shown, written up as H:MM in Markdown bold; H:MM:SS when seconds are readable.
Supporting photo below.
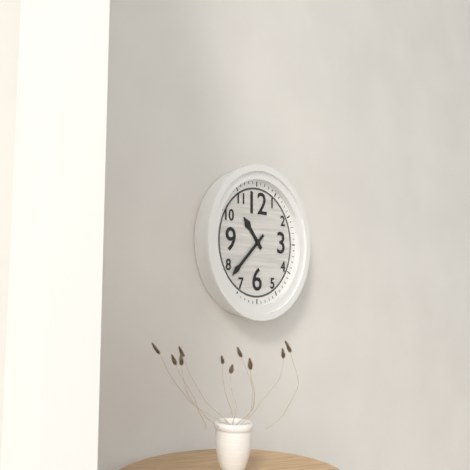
**10:38**
